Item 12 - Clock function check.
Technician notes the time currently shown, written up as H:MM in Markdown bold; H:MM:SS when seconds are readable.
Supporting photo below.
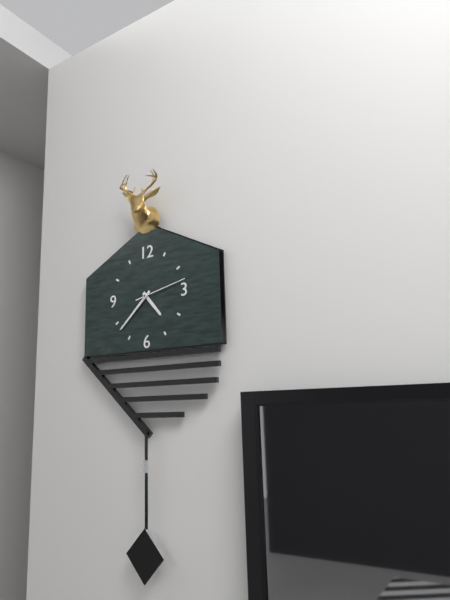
**4:38:13**
